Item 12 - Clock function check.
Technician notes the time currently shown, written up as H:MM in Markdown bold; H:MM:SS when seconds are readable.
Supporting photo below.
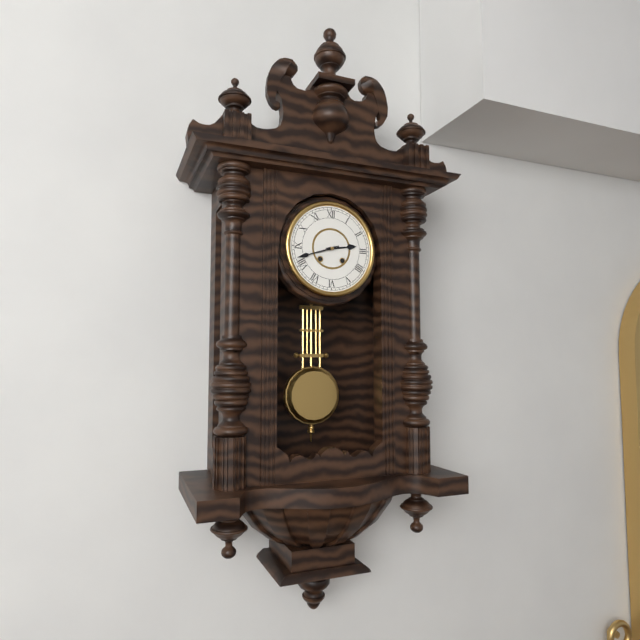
**2:42**
